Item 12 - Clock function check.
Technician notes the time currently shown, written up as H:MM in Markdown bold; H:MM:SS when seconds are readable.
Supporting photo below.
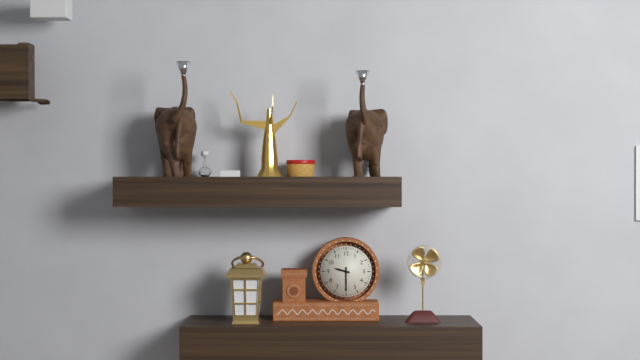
**9:30**
